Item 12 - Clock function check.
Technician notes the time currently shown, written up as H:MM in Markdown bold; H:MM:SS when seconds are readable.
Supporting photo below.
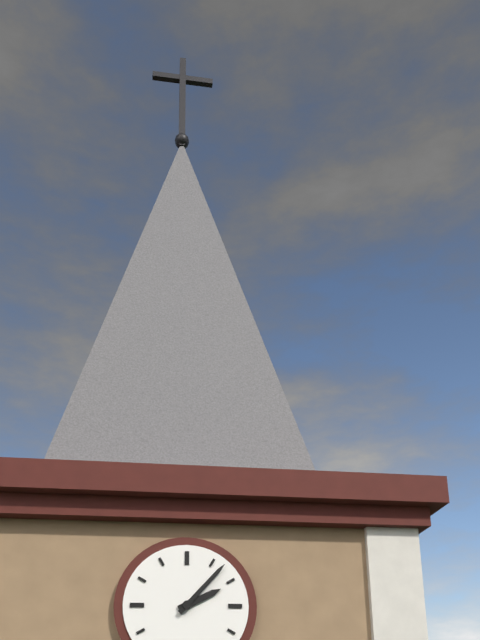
**2:07**
